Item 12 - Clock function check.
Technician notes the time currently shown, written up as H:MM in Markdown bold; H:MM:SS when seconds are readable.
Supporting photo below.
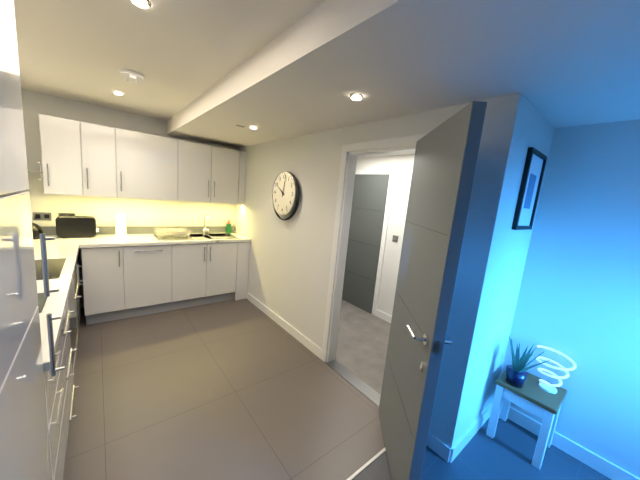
**10:02**
